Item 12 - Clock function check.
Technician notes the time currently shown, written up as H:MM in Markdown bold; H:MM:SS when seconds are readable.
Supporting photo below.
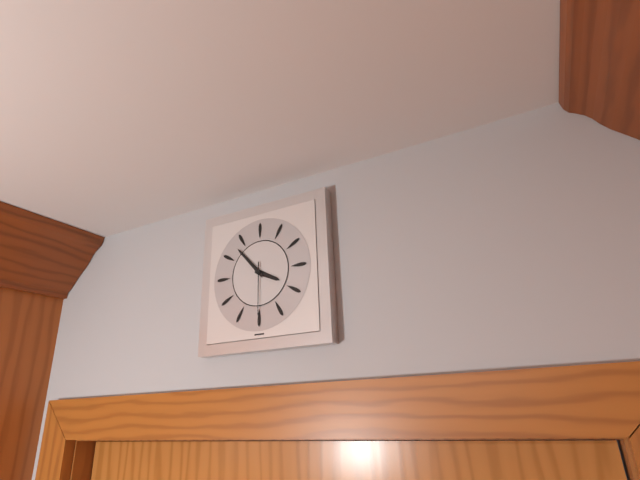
**3:53:30**
